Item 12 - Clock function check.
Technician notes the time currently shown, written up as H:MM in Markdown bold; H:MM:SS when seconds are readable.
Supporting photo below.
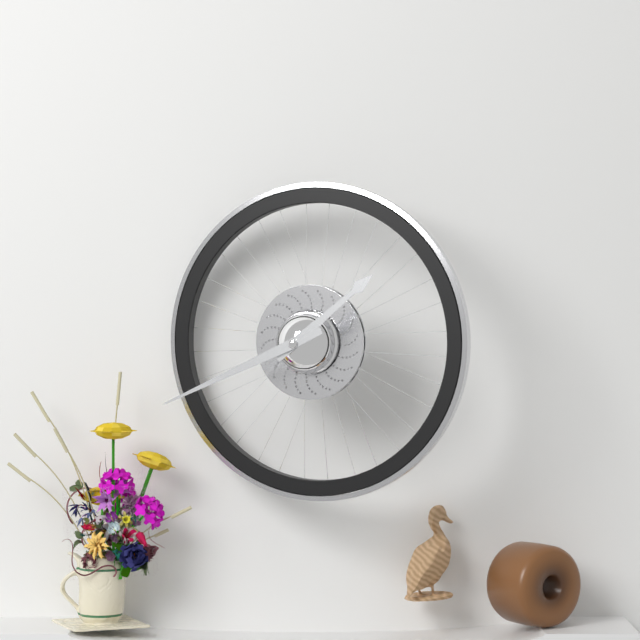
**1:41**
